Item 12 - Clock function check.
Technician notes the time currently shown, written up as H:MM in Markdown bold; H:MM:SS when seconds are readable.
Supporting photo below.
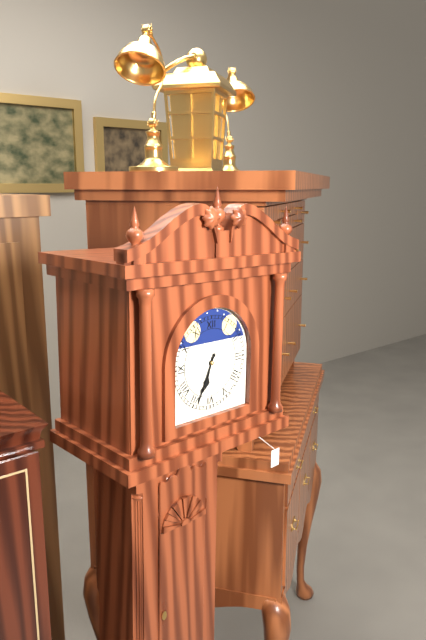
**6:34**
